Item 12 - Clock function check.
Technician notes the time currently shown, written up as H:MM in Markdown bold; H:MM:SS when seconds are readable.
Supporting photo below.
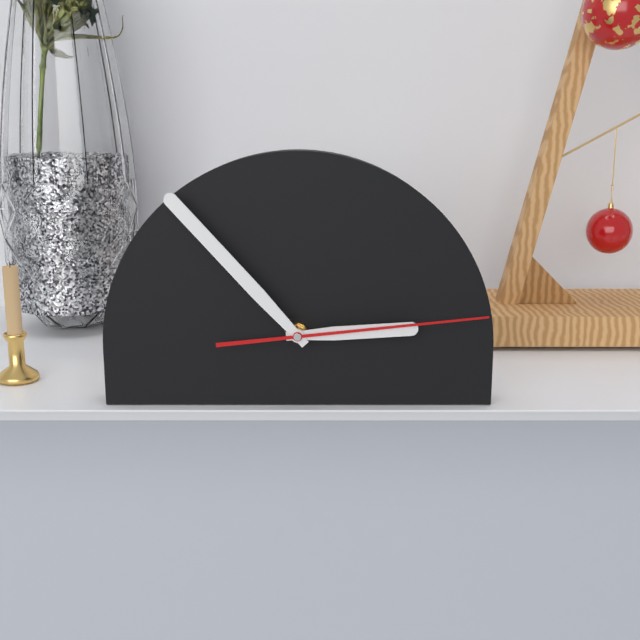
**2:53:14**
